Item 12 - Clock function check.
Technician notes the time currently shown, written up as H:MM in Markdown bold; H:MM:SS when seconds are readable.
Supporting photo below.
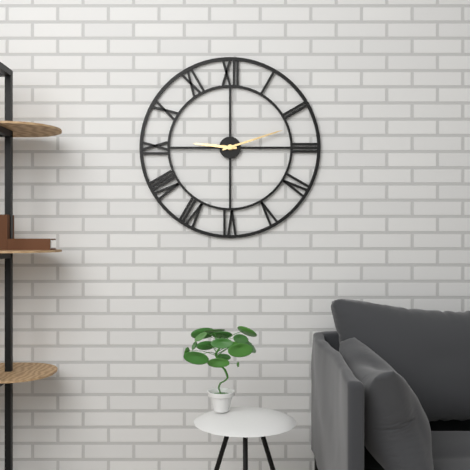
**9:12**
